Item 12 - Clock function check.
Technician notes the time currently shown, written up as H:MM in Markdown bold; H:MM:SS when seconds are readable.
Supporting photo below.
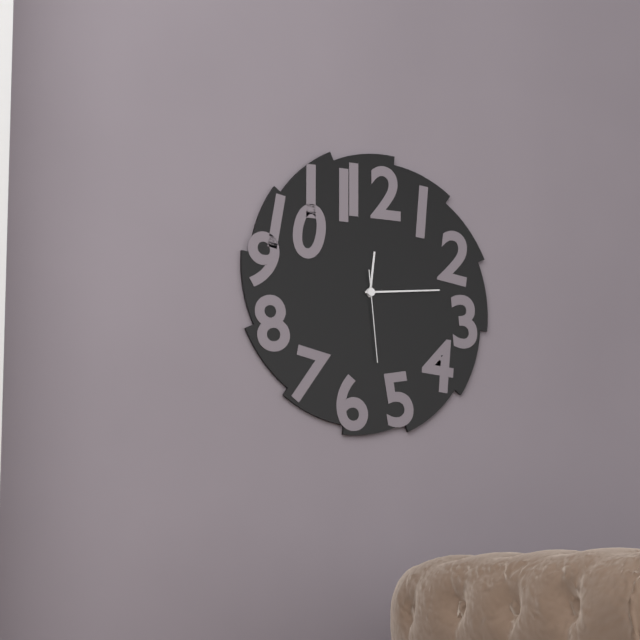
**12:14:29**
